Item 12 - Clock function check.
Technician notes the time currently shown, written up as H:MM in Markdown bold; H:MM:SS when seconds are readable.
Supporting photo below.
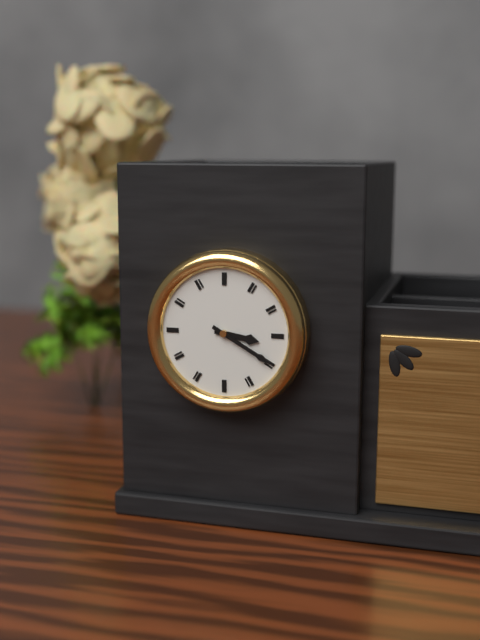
**3:20**
